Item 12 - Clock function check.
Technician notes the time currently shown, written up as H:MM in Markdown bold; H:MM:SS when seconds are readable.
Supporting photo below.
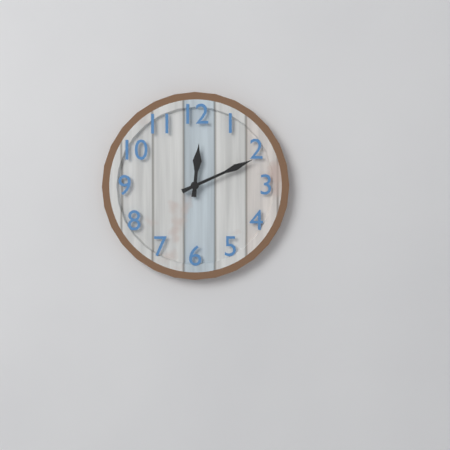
**12:11**
